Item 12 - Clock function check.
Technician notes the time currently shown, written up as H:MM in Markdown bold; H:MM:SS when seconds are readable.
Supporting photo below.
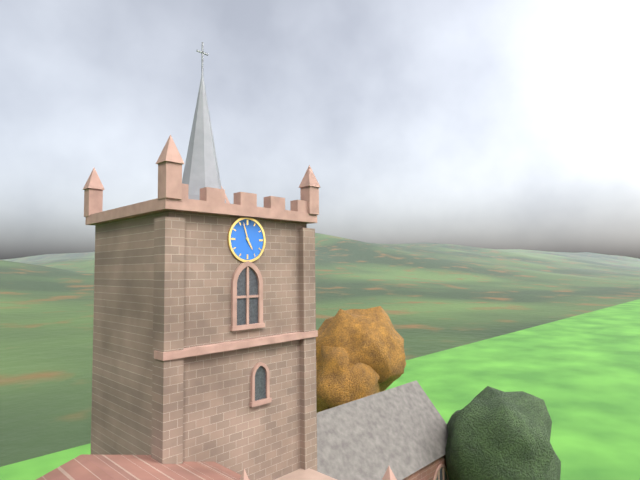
**4:57**
